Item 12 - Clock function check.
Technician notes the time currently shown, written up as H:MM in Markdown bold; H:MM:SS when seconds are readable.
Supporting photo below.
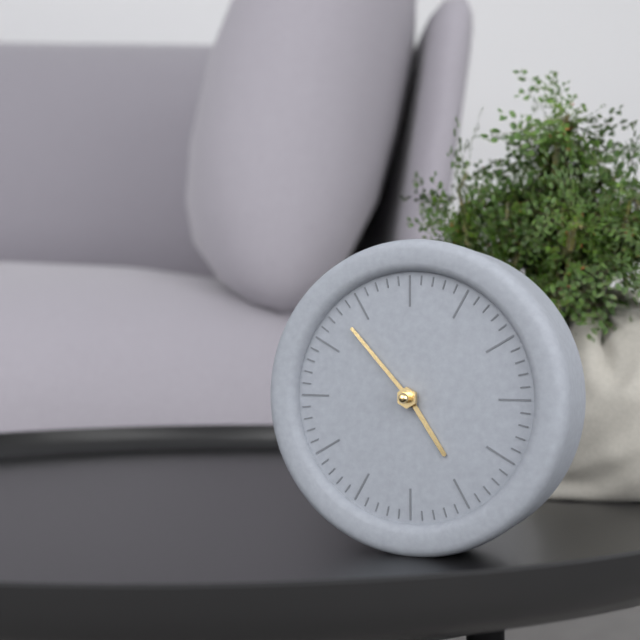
**4:53**
